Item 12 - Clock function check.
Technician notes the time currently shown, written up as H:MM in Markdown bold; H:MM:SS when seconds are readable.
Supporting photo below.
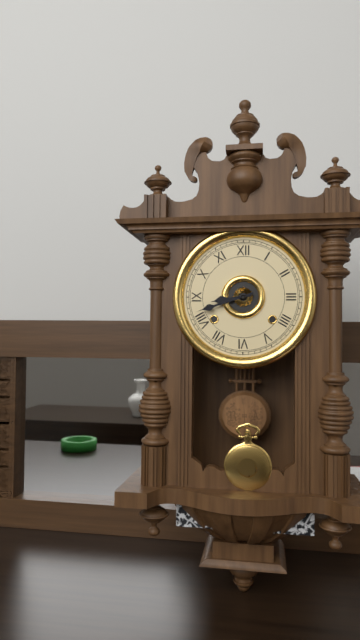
**8:42**
